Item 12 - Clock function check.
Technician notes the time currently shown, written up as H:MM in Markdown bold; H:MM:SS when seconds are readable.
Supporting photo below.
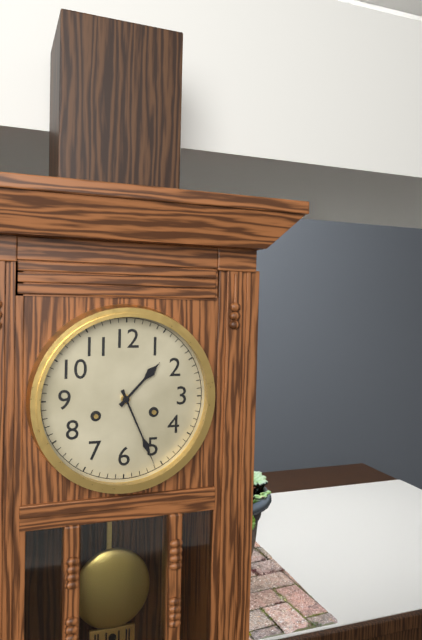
**1:26**
